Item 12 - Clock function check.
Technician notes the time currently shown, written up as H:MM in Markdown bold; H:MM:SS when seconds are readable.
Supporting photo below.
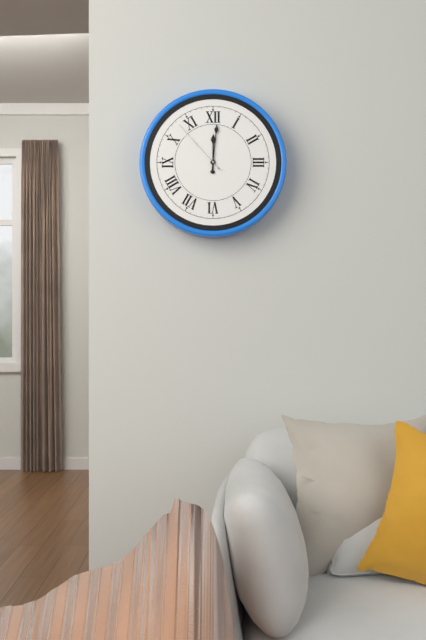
**12:01:53**
